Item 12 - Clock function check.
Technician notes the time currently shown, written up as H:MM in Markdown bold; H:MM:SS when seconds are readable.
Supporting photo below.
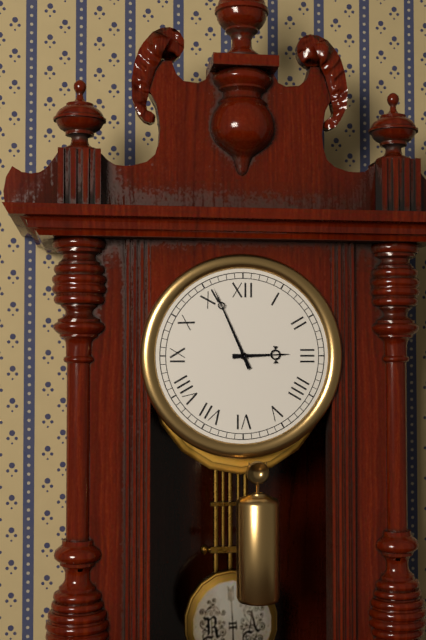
**2:56**
